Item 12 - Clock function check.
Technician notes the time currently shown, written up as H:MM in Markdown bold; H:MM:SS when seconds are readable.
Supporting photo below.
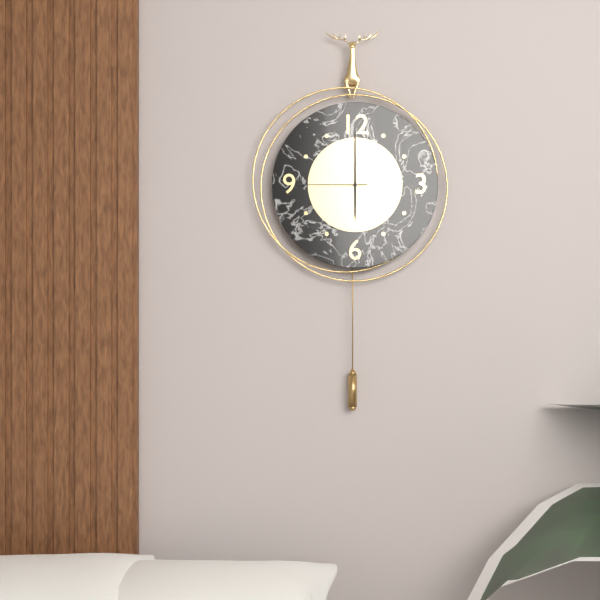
**6:00:45**
